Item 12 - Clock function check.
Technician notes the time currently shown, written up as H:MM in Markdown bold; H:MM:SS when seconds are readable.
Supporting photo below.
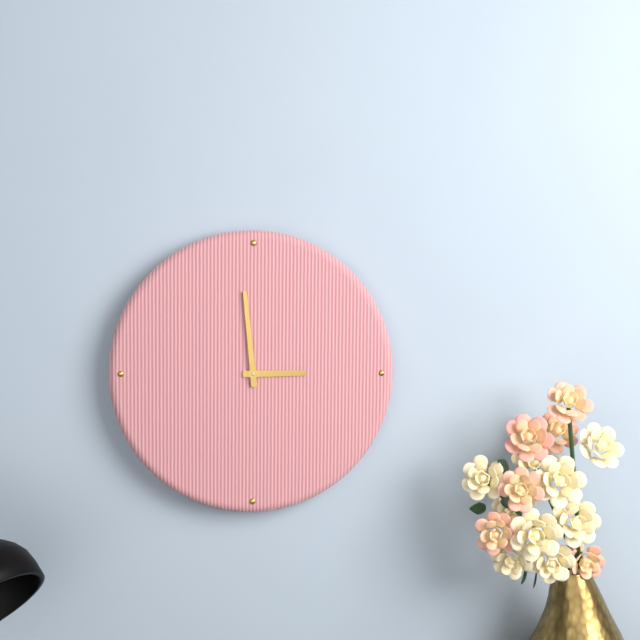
**2:59**
